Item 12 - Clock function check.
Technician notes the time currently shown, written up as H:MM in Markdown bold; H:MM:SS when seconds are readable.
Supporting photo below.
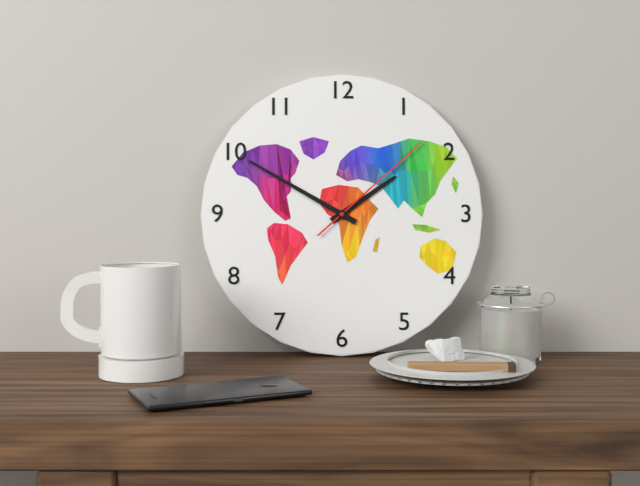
**1:50:08**
